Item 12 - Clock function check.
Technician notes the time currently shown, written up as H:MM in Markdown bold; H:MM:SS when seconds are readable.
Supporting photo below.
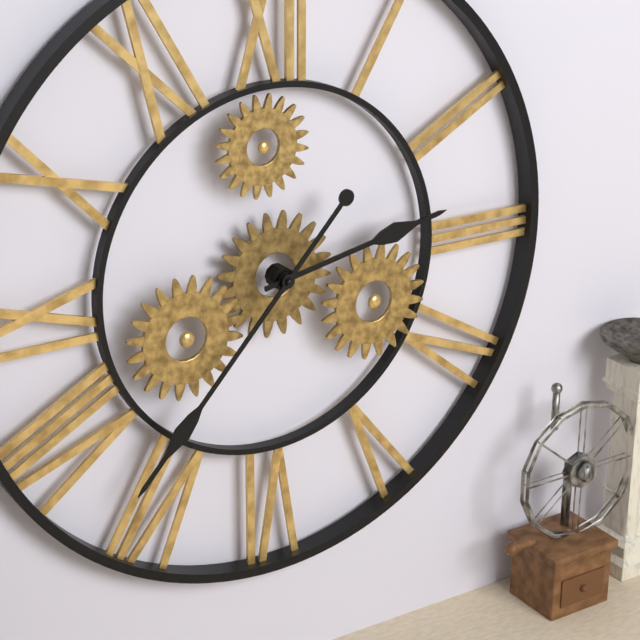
**2:37**
